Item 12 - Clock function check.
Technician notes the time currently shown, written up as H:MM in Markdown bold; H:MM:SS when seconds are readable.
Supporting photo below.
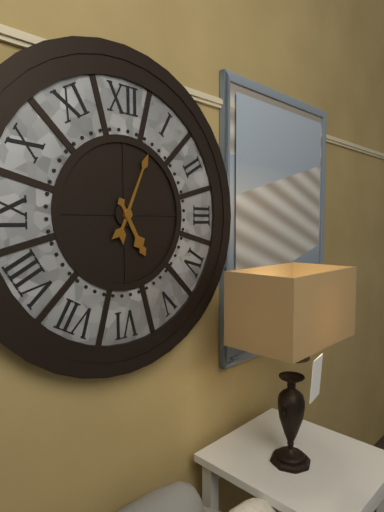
**5:04**
